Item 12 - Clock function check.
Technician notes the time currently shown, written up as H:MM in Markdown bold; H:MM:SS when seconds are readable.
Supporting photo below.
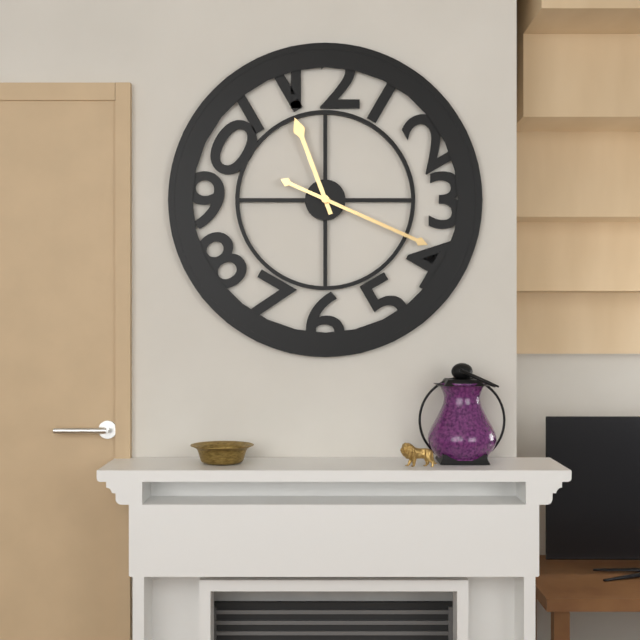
**11:19**
